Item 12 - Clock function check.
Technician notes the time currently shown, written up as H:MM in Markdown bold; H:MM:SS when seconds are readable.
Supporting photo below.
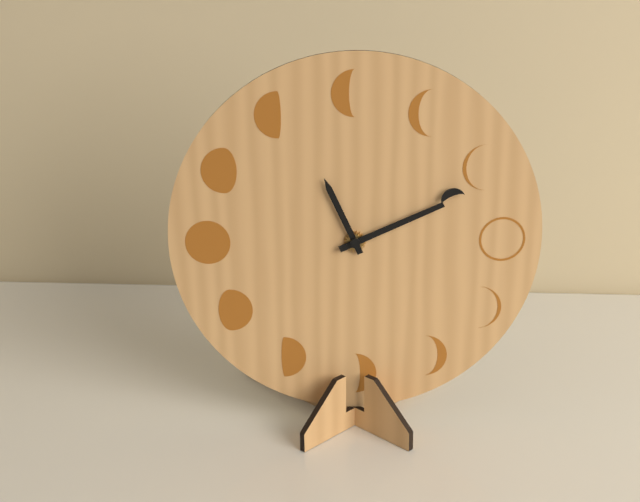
**11:11**
